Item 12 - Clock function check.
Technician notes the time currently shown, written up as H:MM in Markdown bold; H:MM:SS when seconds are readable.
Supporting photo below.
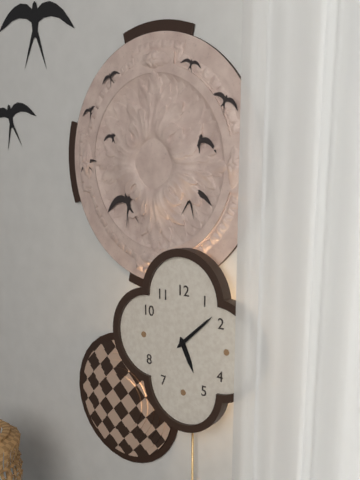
**5:08**
